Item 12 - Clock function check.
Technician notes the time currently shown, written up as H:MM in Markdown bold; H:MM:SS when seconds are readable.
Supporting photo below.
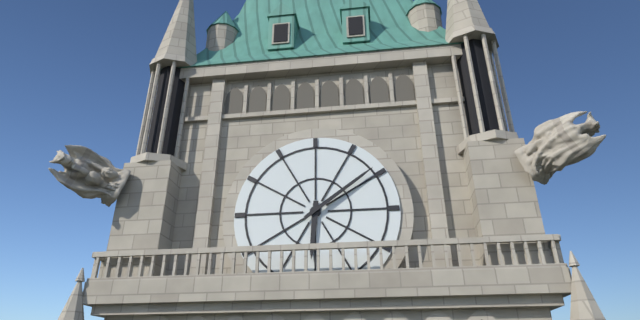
**6:09**
